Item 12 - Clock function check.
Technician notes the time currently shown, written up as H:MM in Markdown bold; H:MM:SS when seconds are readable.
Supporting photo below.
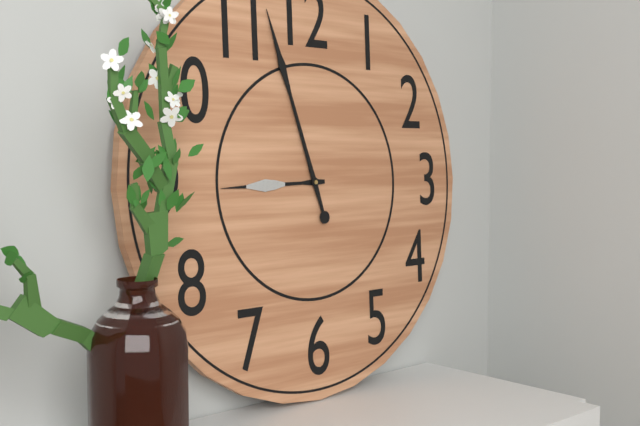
**8:57**
